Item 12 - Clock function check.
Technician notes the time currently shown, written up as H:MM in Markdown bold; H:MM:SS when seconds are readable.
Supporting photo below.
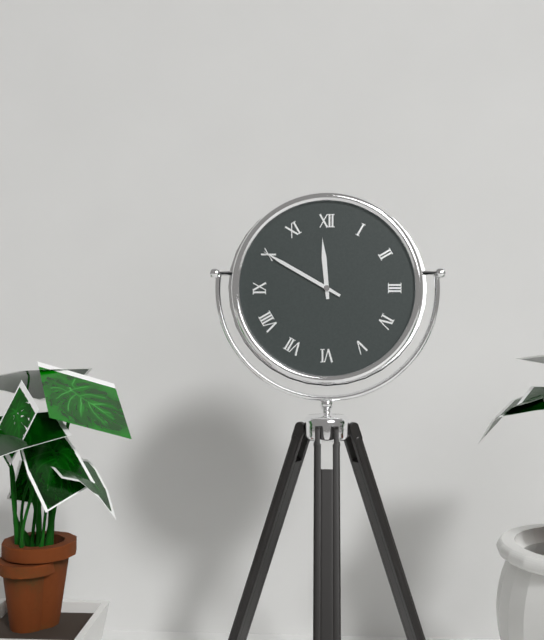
**11:50**
